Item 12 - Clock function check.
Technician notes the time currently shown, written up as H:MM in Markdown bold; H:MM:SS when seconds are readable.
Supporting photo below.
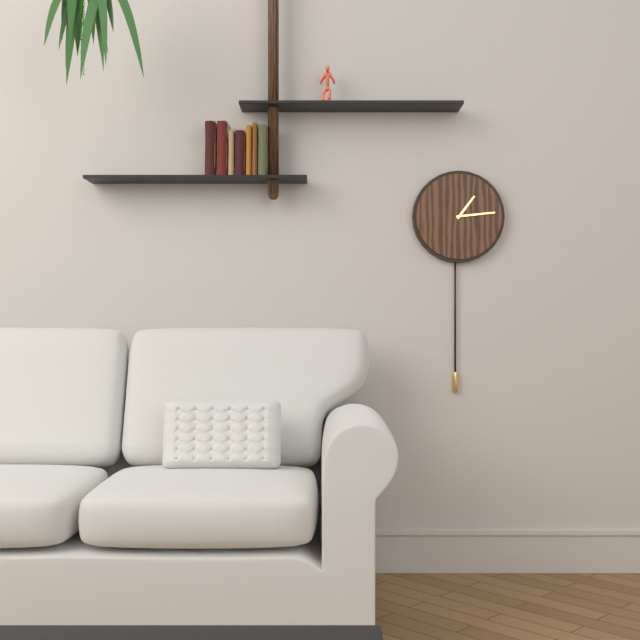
**1:14**
